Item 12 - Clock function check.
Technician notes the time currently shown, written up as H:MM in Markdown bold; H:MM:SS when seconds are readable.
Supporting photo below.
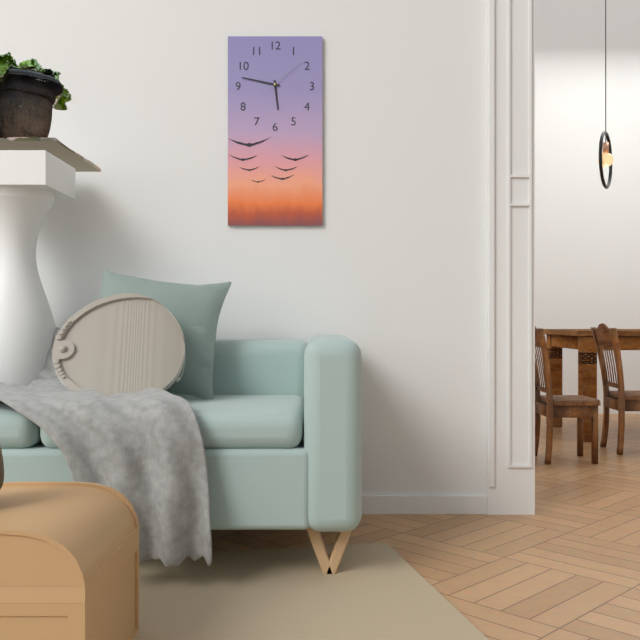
**5:47**
